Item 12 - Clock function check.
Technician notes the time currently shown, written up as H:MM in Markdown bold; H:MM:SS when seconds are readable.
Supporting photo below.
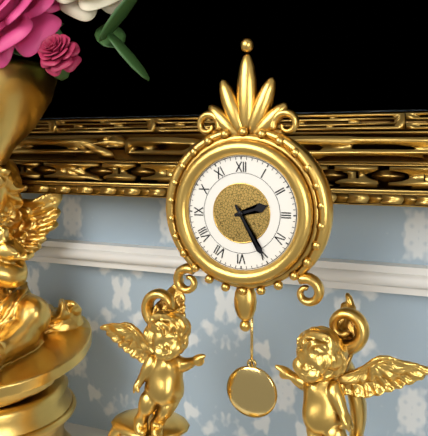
**2:25**
